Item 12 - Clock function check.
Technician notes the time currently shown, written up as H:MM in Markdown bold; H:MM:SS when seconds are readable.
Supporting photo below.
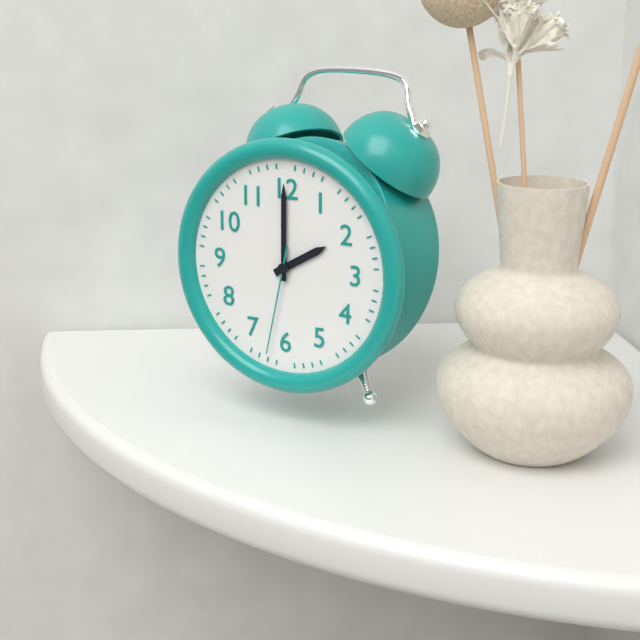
**2:00:32**
